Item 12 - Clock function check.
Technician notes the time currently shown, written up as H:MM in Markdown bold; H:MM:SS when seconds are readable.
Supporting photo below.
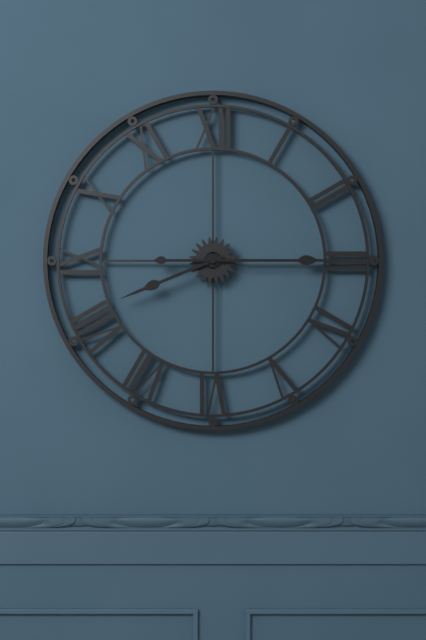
**8:15**
